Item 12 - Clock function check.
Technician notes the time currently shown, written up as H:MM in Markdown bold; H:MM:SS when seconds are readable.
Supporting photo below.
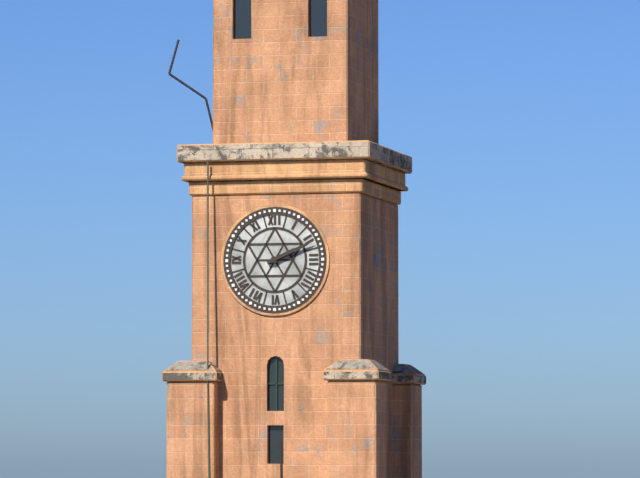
**2:11**
